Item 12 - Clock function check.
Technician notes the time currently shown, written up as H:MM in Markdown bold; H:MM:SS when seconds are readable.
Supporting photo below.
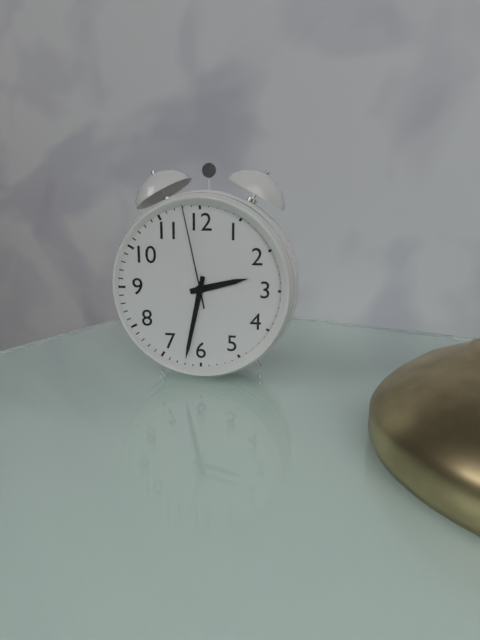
**2:32:58**
